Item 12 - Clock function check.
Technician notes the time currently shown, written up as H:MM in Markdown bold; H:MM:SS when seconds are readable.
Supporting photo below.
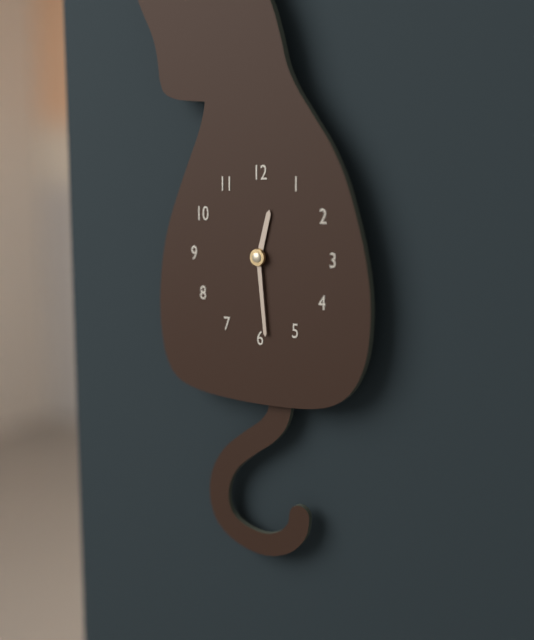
**12:29**
